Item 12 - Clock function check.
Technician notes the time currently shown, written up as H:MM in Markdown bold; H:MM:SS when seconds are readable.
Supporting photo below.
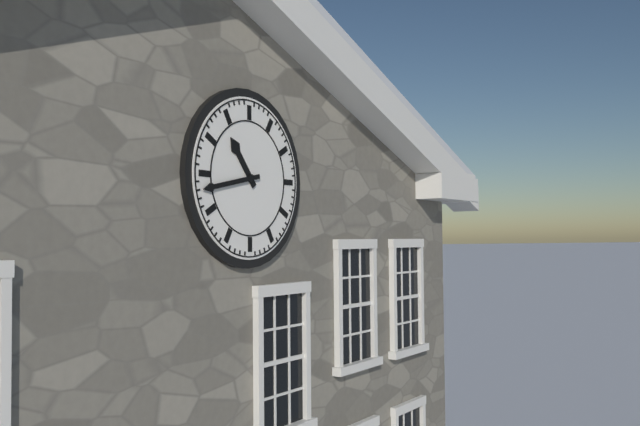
**10:43**
